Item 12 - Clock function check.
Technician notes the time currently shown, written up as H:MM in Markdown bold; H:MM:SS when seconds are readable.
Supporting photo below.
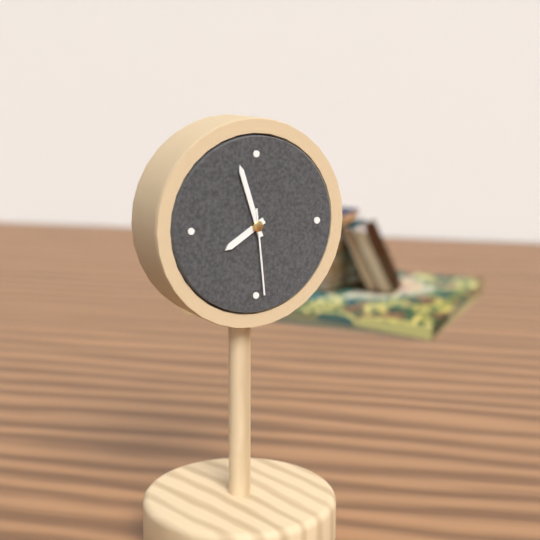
**7:57:29**
